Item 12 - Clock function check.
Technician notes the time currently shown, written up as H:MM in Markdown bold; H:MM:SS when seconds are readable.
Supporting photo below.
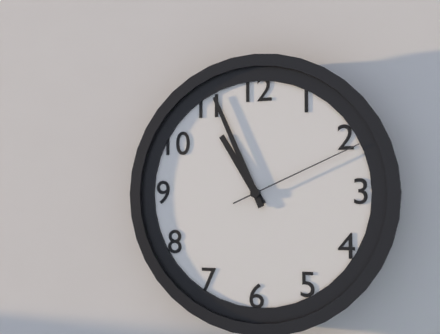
**10:56:11**
